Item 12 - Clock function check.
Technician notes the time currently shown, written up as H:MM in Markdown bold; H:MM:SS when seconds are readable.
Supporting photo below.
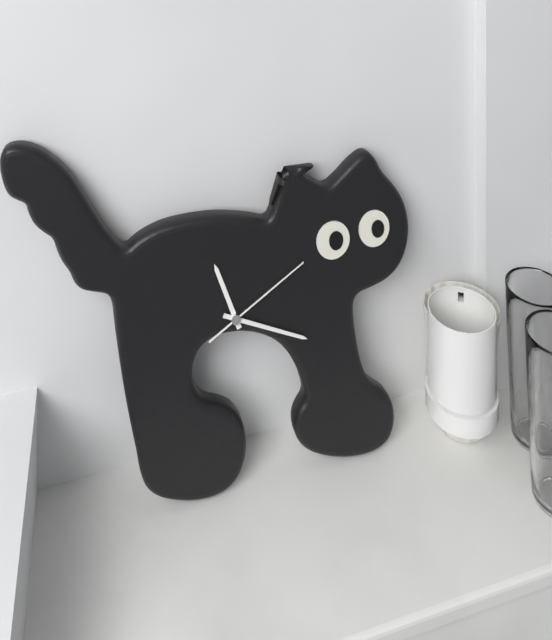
**11:19:10**
